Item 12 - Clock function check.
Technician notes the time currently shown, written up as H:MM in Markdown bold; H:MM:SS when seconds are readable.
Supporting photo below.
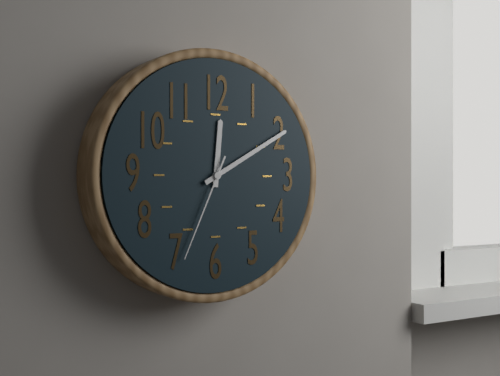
**12:10:34**
